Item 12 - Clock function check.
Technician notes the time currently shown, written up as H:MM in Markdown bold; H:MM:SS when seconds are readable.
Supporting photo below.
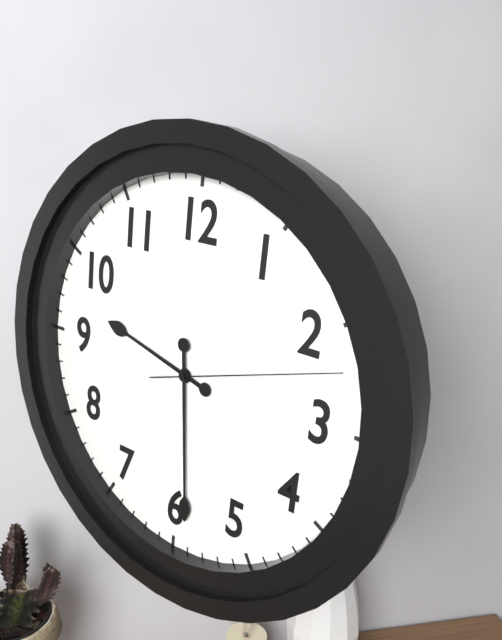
**9:29:12**
